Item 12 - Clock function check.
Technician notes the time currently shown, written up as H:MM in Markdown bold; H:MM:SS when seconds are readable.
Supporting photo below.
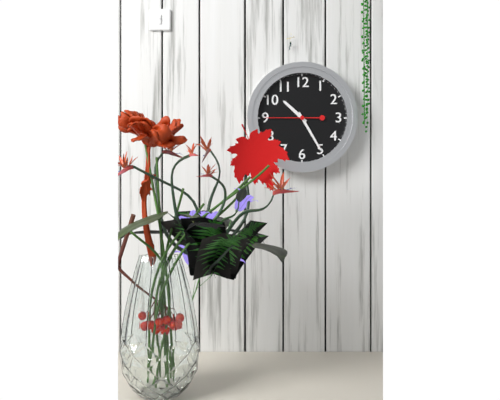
**10:25**
